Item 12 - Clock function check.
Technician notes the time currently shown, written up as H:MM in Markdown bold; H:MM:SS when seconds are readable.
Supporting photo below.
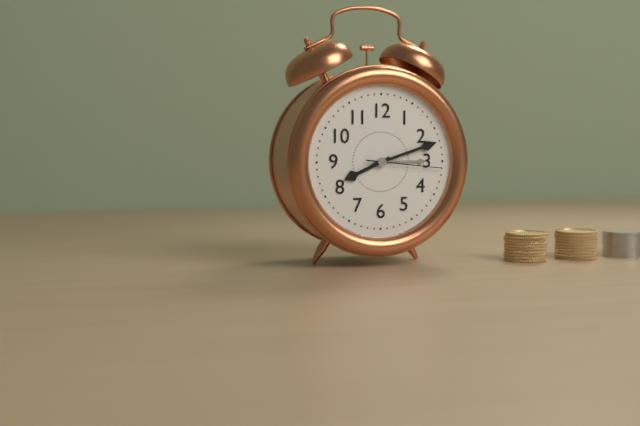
**8:12:16**
